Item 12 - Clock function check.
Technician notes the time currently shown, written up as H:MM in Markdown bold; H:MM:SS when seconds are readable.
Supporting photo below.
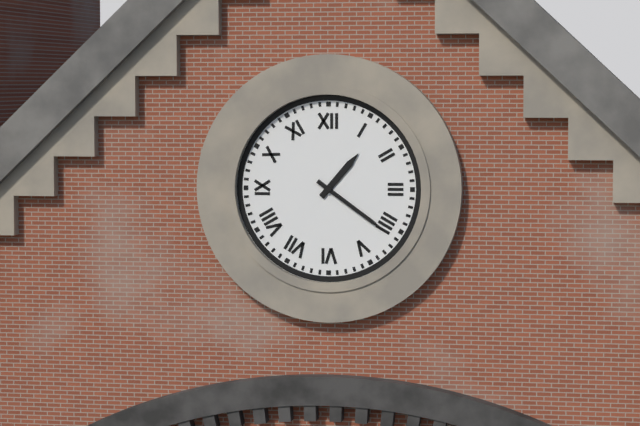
**1:21**
